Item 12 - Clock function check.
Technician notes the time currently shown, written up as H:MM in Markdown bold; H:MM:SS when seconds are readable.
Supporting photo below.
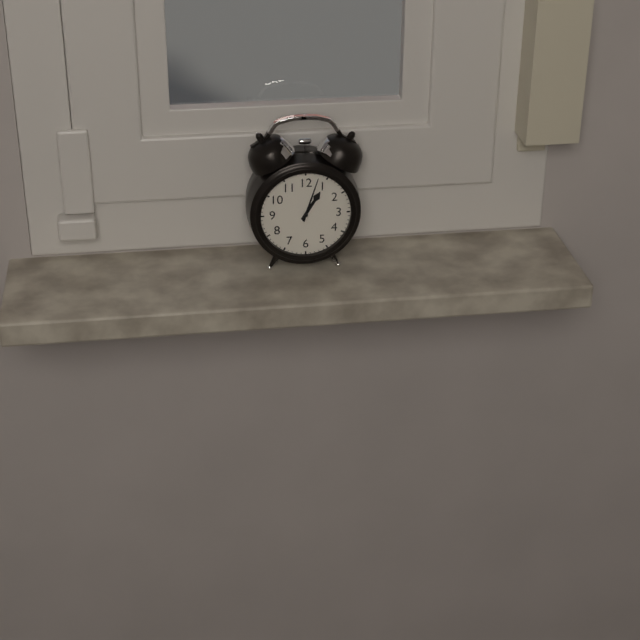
**1:03**
